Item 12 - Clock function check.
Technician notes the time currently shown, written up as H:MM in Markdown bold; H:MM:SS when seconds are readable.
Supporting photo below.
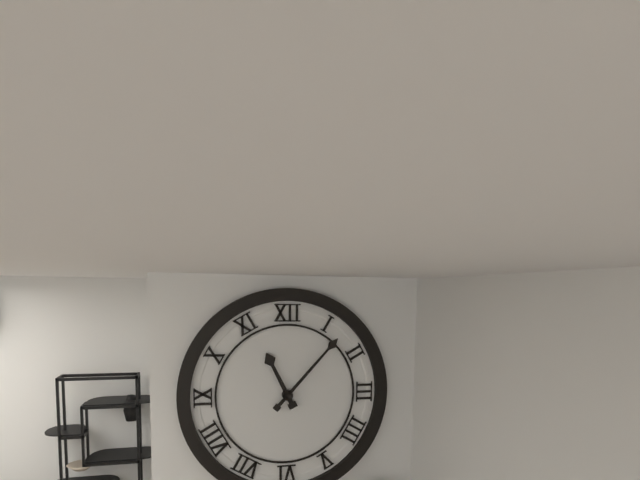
**11:07**
